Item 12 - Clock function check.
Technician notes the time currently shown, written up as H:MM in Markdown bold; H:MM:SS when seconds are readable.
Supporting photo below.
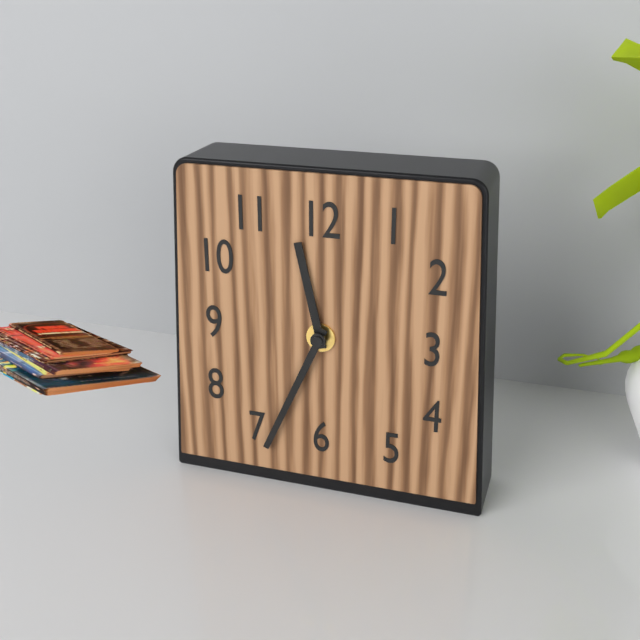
**11:34**
